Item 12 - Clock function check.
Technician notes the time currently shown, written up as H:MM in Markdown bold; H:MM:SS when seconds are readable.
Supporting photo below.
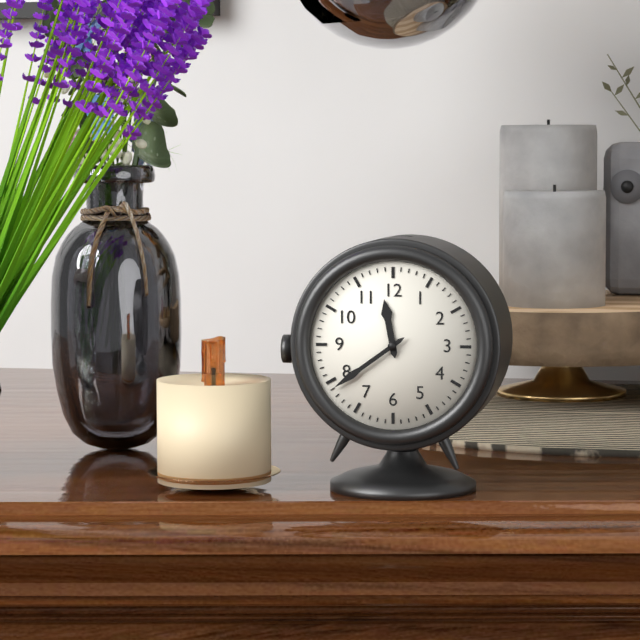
**11:39**
